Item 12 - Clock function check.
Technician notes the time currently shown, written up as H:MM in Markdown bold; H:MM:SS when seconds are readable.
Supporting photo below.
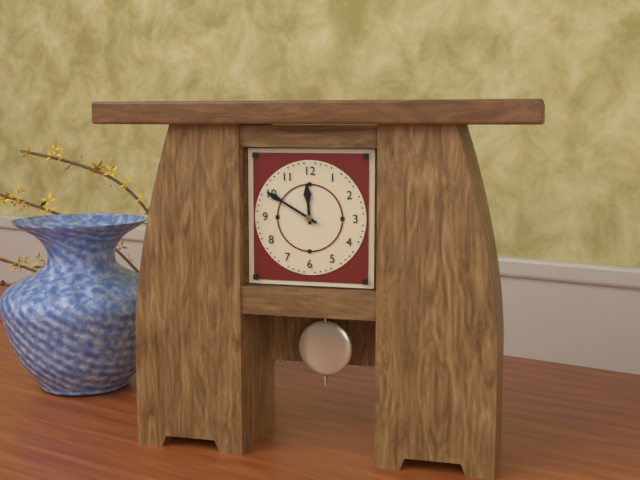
**11:50**
